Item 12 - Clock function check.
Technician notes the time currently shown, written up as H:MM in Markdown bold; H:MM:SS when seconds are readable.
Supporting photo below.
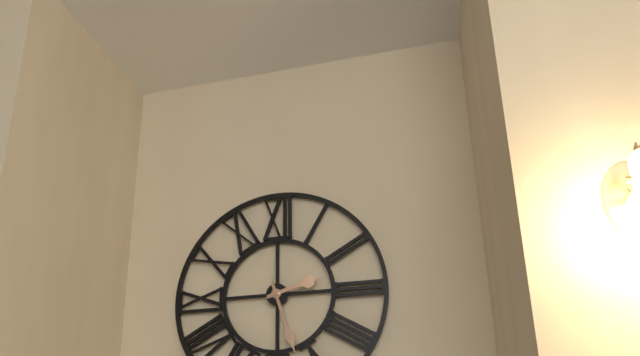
**2:27**
